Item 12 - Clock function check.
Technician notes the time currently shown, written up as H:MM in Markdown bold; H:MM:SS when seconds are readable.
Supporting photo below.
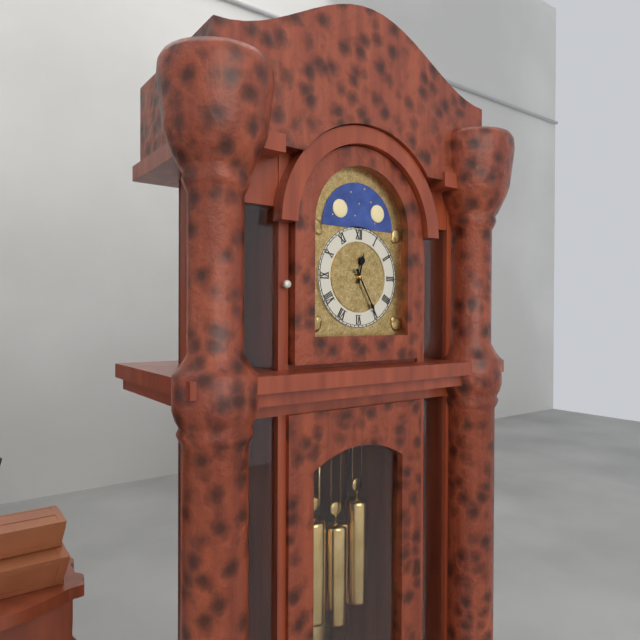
**12:25**
